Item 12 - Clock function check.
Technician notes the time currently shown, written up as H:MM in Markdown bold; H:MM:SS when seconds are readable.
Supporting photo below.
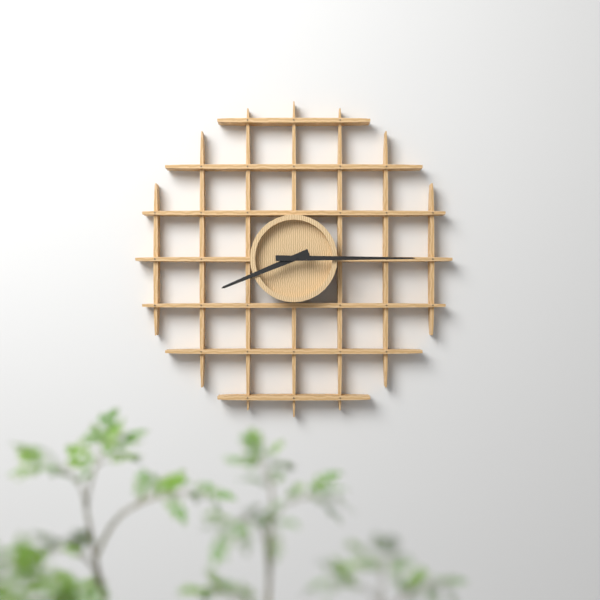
**8:15**
